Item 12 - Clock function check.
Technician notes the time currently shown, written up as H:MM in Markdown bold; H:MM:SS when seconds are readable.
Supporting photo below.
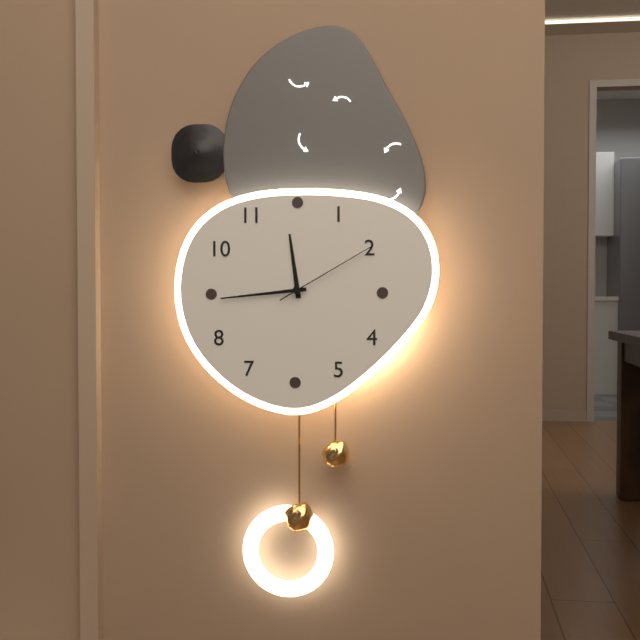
**11:44:10**
